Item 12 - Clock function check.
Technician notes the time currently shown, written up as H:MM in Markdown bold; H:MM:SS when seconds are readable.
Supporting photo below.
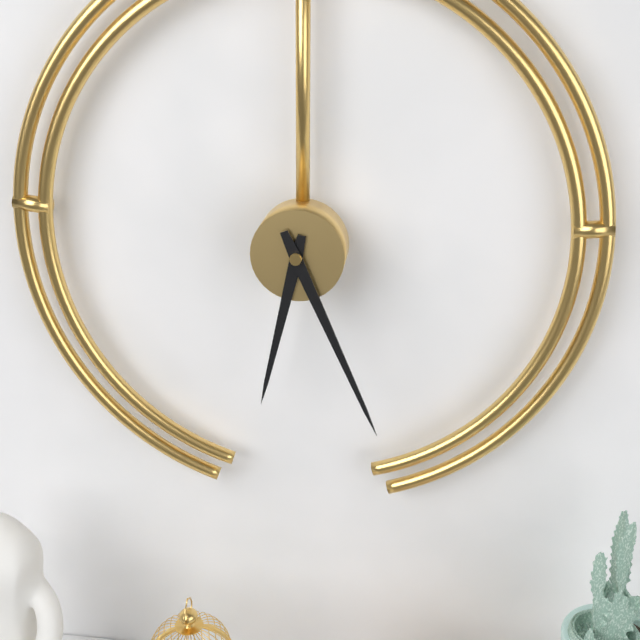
**6:26**
